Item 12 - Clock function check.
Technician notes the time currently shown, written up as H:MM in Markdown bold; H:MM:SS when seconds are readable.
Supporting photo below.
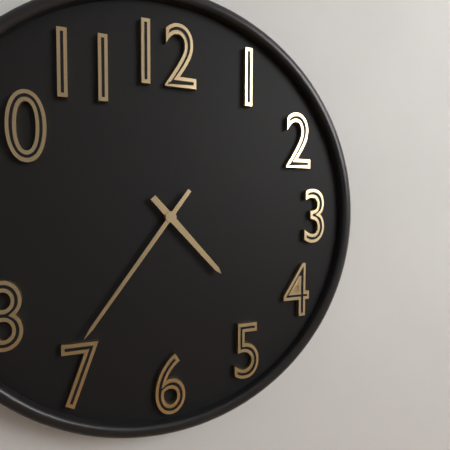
**4:36**
